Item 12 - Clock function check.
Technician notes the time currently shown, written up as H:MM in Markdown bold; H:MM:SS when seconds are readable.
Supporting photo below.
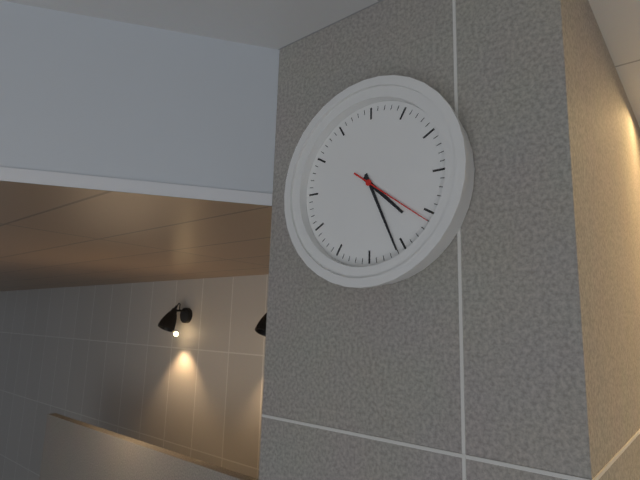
**4:26:21**
